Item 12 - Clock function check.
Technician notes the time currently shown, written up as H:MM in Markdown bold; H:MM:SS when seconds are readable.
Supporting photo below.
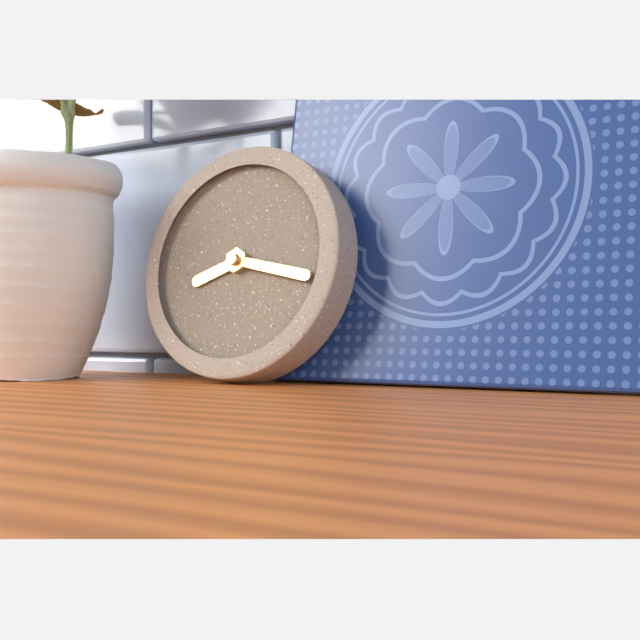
**8:17**
